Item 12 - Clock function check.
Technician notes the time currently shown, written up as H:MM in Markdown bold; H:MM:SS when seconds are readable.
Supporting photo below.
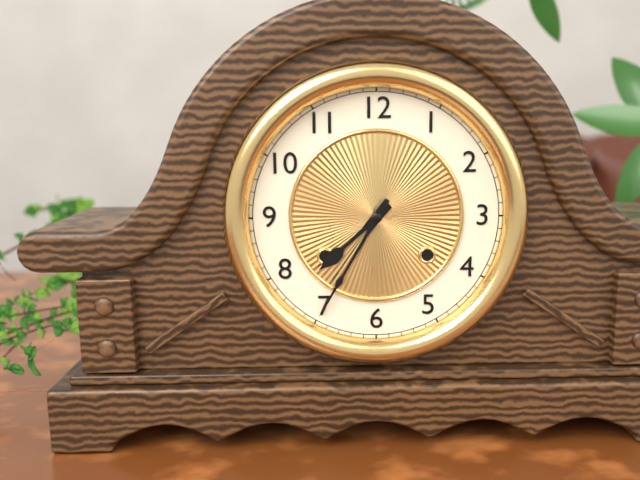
**7:35**
